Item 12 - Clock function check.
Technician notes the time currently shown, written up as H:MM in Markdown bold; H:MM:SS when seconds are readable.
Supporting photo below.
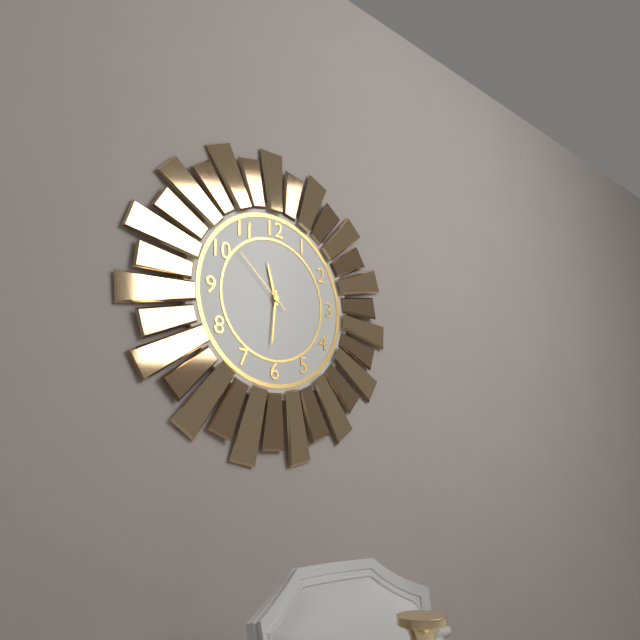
**11:31:52**
